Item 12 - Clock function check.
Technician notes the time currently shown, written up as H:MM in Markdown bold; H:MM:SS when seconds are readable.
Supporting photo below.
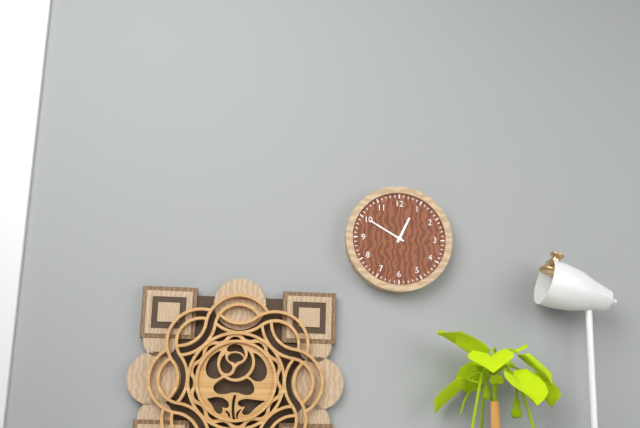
**12:50**
